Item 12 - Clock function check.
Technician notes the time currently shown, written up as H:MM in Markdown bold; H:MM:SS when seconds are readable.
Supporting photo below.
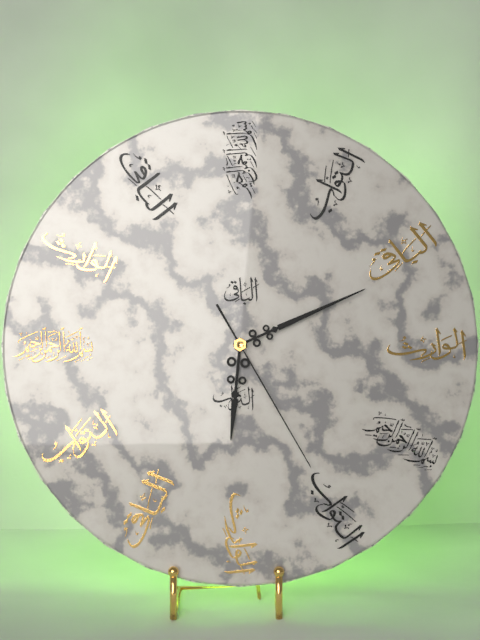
**6:11:25**
